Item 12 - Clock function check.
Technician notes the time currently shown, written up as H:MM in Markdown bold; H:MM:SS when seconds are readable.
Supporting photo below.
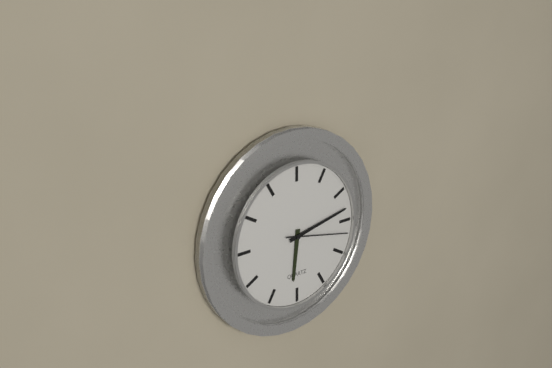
**6:13:17**
